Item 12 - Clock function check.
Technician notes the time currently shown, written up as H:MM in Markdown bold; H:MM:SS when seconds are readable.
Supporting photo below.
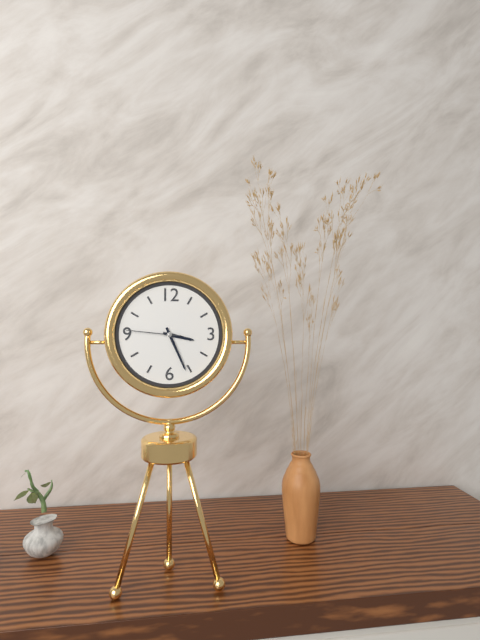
**3:26:46**
